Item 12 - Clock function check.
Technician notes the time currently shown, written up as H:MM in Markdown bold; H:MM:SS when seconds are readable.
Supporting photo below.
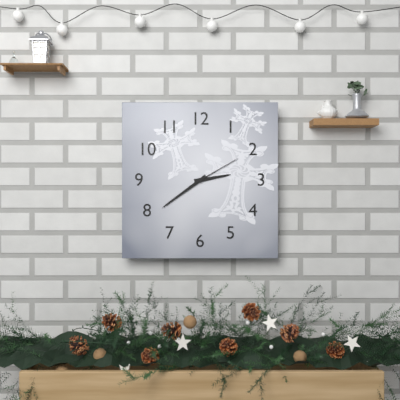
**2:39:10**
